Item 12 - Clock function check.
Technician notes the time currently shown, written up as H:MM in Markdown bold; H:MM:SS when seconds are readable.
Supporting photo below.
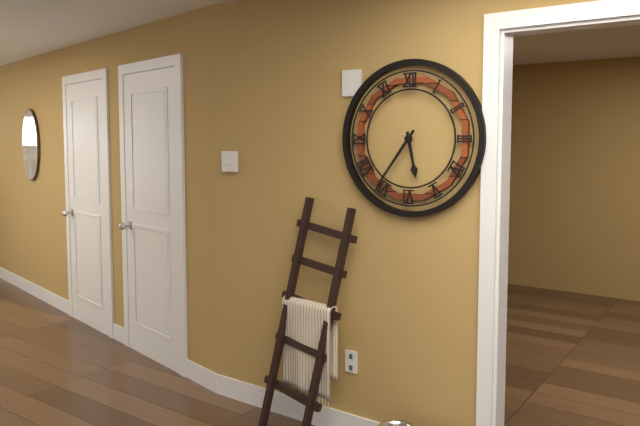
**5:36**
